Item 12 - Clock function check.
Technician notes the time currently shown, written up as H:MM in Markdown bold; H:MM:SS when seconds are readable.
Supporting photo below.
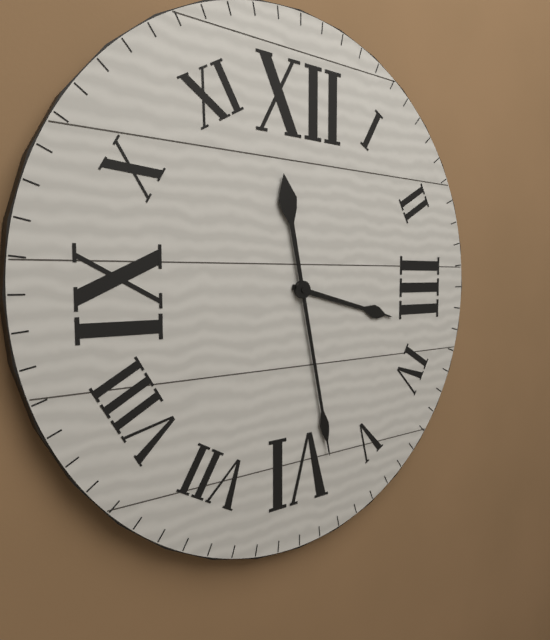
**3:28**
